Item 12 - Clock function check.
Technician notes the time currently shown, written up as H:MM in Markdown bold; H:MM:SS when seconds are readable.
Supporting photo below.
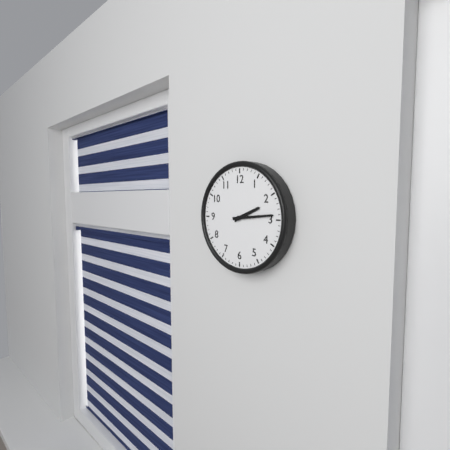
**2:14**
